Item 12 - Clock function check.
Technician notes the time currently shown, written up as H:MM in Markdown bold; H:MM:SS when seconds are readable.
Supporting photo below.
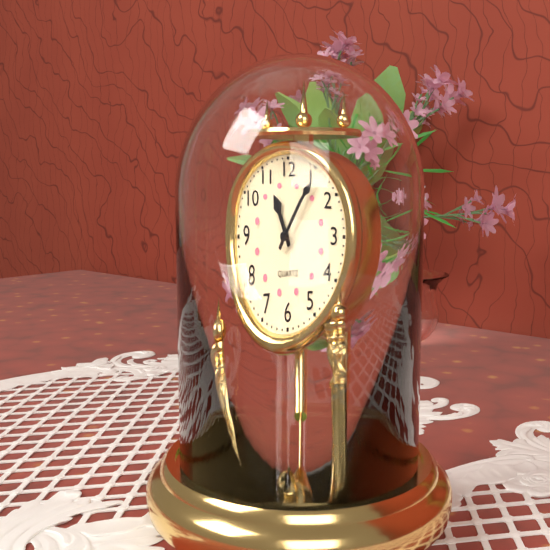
**11:06**
